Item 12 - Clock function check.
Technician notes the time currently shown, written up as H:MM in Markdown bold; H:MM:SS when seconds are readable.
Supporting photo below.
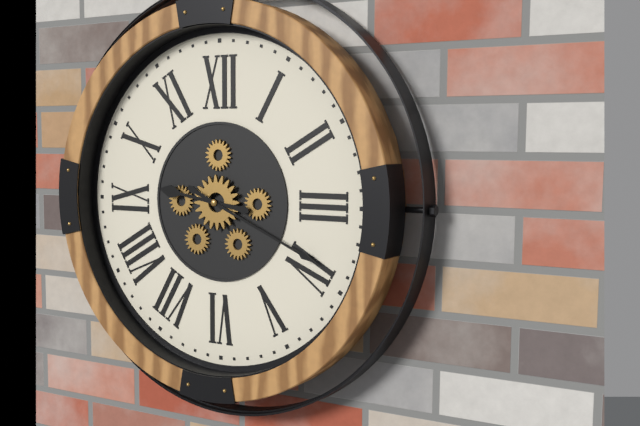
**9:19**
